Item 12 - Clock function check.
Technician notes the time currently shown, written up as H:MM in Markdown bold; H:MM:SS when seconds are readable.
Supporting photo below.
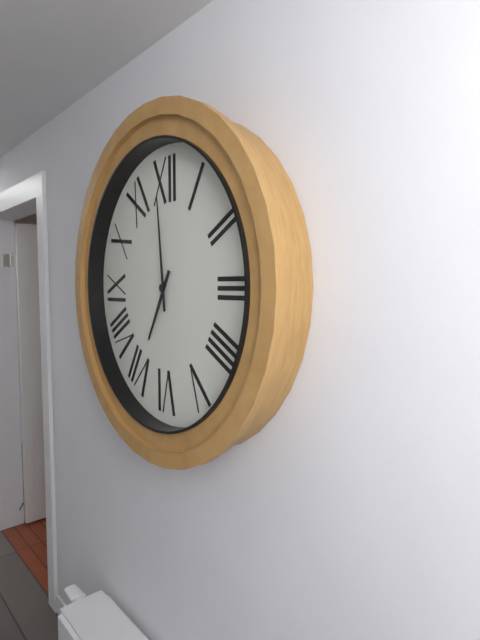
**6:59**
